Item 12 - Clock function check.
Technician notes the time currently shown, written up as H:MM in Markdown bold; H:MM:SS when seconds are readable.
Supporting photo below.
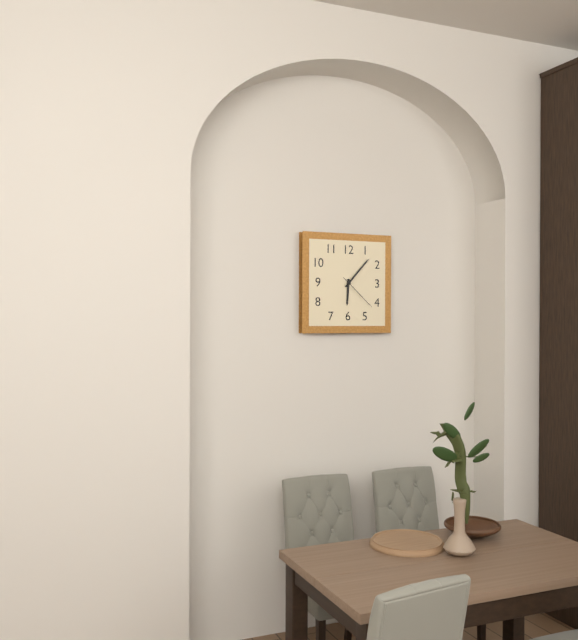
**6:07**
